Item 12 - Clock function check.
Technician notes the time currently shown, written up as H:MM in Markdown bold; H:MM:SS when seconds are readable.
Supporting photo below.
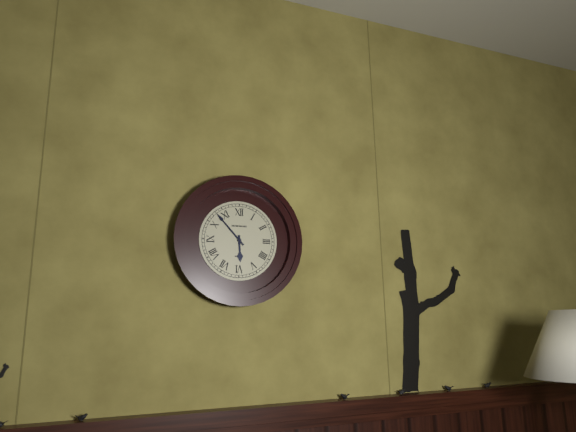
**5:53**
